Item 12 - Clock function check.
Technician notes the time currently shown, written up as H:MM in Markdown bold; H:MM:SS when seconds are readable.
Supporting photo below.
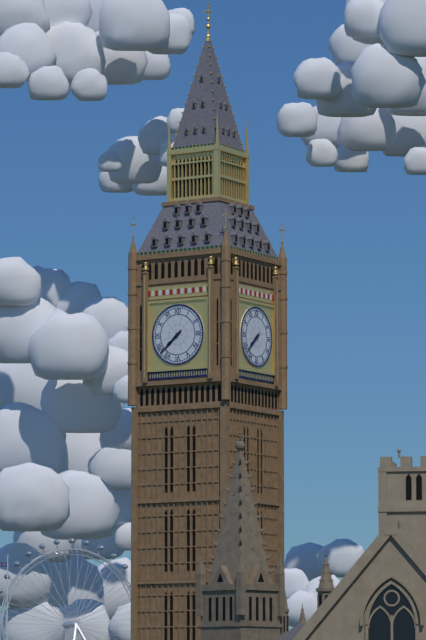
**7:38**
